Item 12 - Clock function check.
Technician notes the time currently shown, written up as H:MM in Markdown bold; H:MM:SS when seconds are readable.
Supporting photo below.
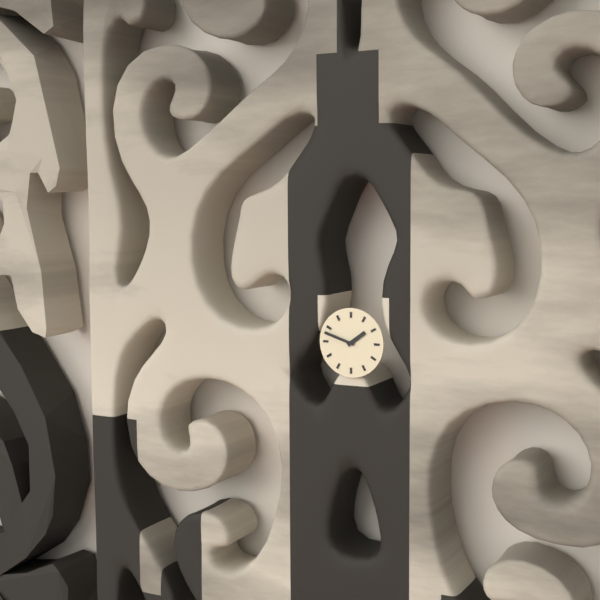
**1:48**
